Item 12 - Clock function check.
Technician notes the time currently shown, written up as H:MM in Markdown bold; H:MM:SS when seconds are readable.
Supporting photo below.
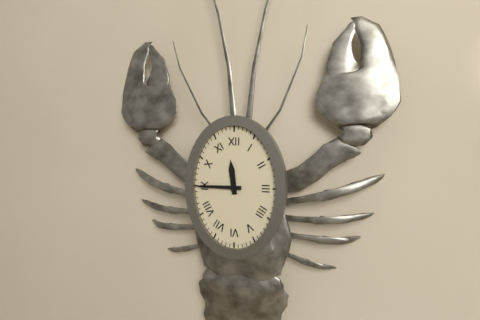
**11:45**
